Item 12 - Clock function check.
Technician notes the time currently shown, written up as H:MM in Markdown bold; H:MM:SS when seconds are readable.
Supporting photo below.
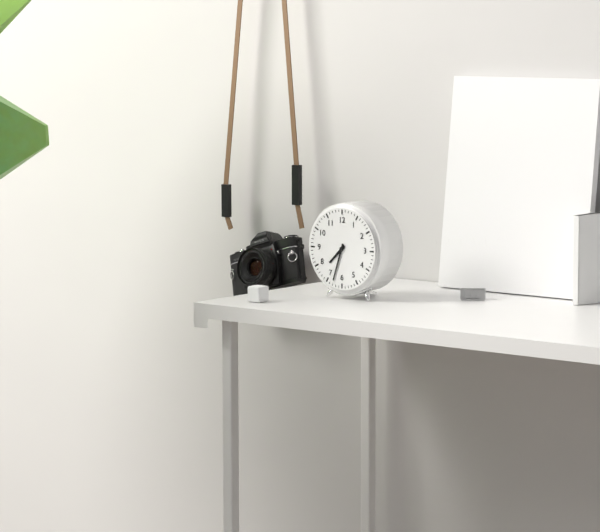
**7:33**
